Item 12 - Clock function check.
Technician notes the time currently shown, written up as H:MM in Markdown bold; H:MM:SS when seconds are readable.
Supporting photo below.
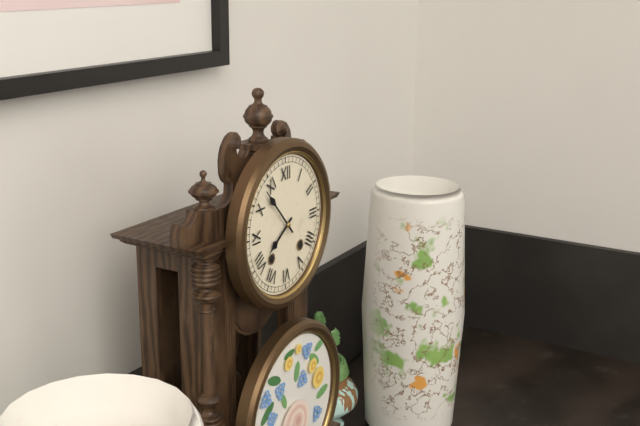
**7:53**
